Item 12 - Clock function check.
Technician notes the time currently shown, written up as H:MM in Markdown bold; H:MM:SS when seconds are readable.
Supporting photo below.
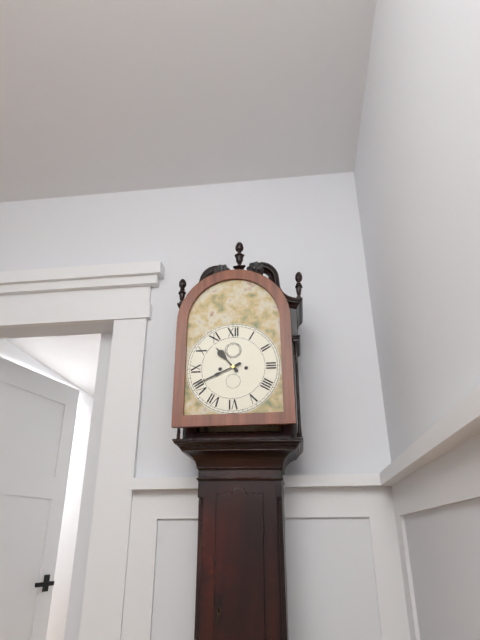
**10:41**
